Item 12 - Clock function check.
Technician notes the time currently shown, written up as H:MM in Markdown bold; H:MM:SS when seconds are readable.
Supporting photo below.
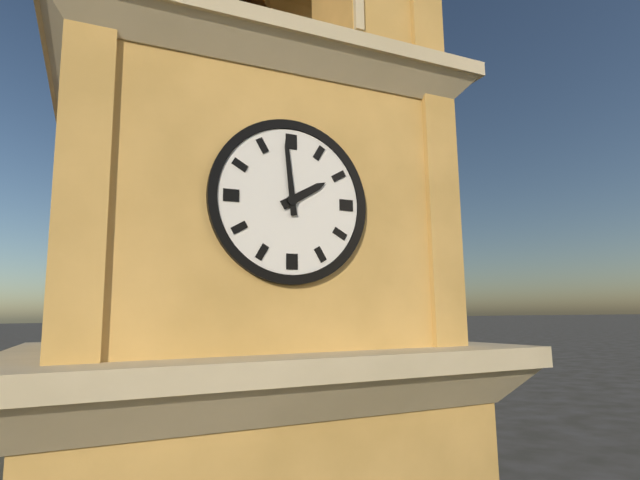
**1:59**
